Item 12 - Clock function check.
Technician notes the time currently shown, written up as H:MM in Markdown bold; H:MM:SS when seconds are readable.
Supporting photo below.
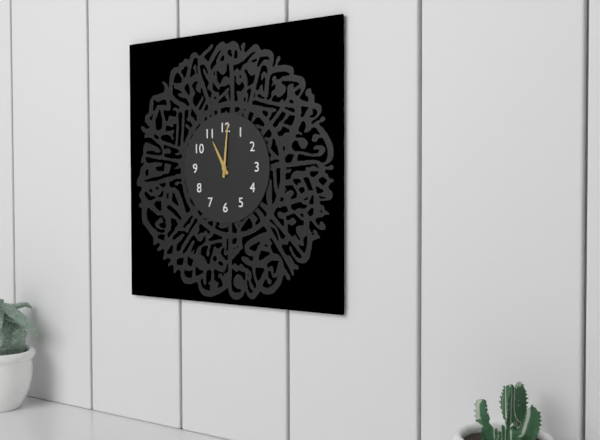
**11:01**
